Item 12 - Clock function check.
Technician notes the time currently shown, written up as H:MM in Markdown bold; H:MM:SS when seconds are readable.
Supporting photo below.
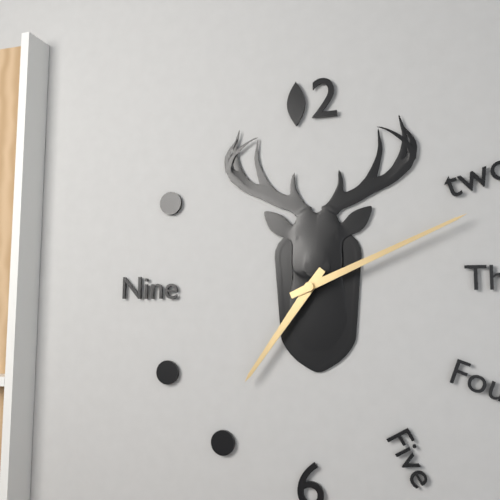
**7:11**
